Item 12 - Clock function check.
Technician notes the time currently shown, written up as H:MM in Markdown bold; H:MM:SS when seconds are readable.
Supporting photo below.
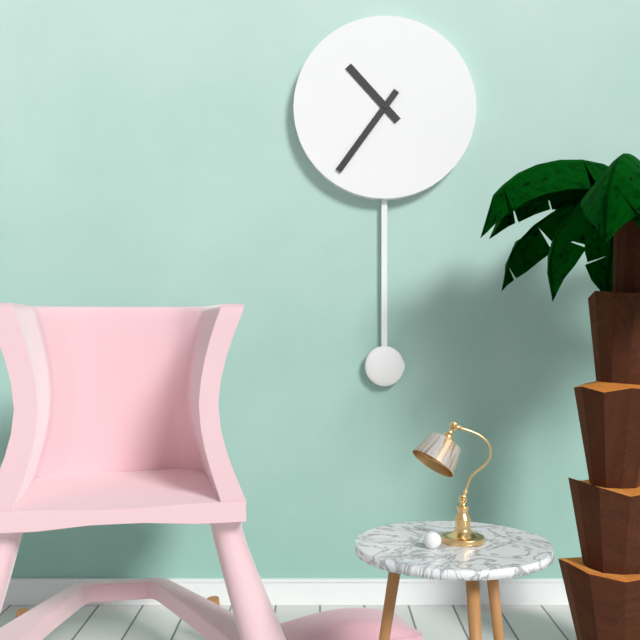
**10:36**
